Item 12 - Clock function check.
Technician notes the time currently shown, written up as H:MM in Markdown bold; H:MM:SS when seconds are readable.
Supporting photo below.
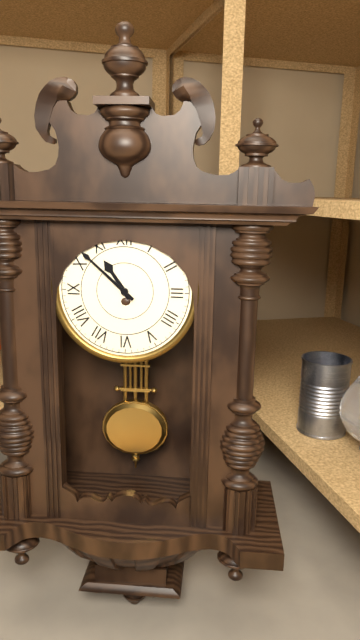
**10:52**
